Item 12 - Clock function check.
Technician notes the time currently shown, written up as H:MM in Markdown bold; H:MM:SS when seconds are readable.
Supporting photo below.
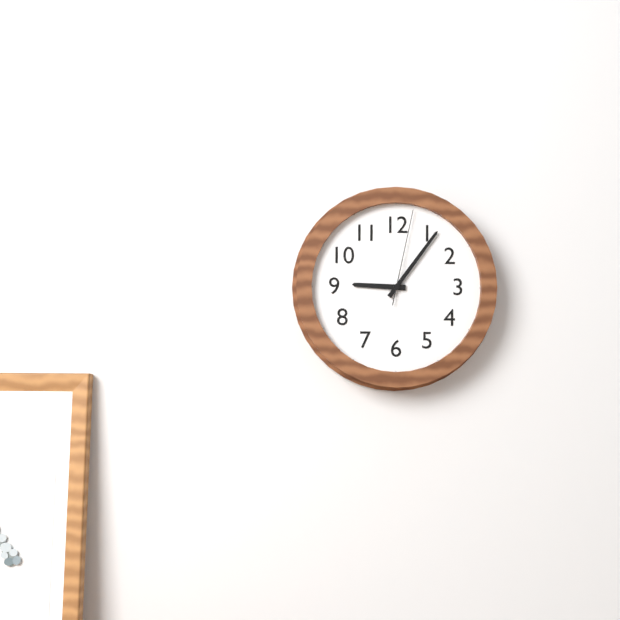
**9:06:02**
